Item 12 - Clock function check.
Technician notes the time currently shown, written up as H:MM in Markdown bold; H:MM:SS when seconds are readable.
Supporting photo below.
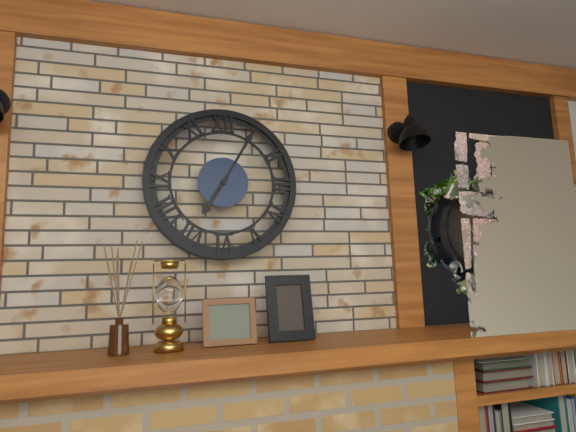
**7:05**
